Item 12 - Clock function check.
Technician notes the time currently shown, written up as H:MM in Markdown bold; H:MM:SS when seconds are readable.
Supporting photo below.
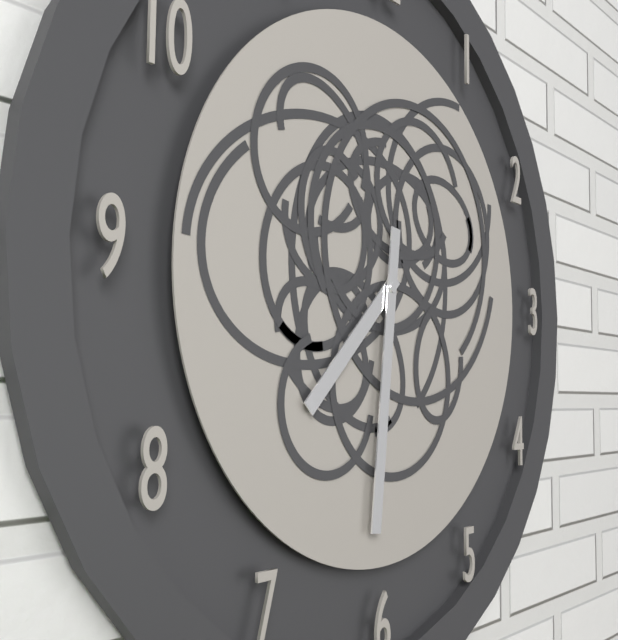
**7:31**
